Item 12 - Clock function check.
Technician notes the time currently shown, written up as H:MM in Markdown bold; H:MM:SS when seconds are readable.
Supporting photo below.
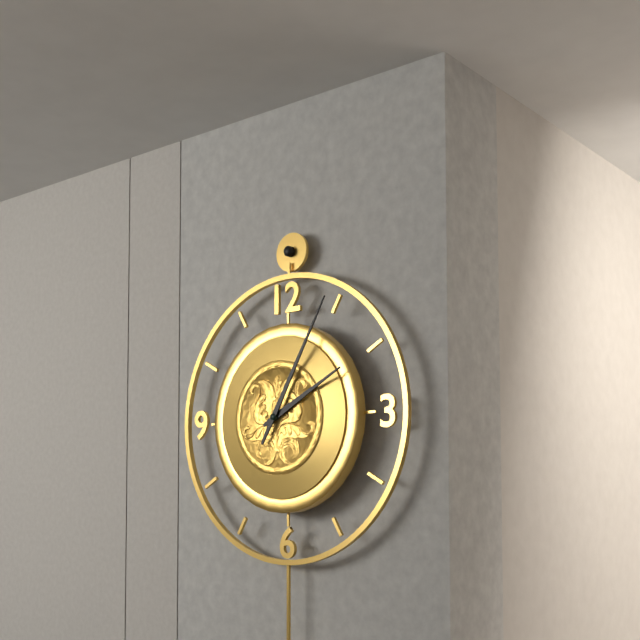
**2:05**
